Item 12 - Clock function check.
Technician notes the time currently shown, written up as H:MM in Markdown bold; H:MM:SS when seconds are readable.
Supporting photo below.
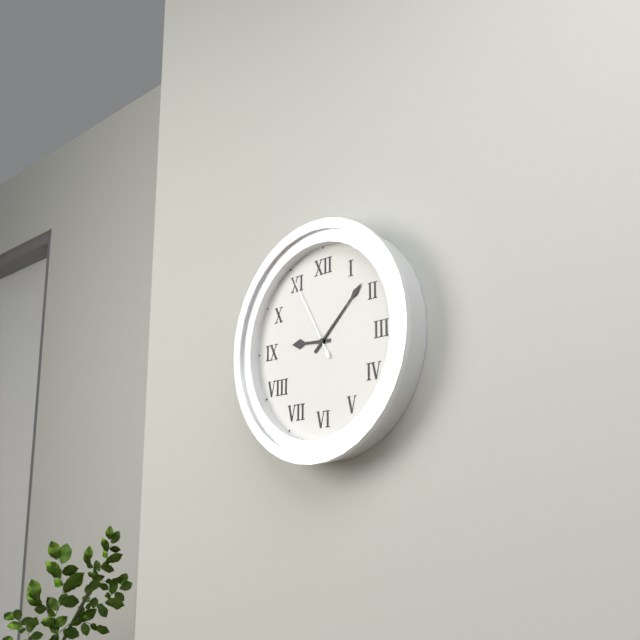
**9:08:55**
